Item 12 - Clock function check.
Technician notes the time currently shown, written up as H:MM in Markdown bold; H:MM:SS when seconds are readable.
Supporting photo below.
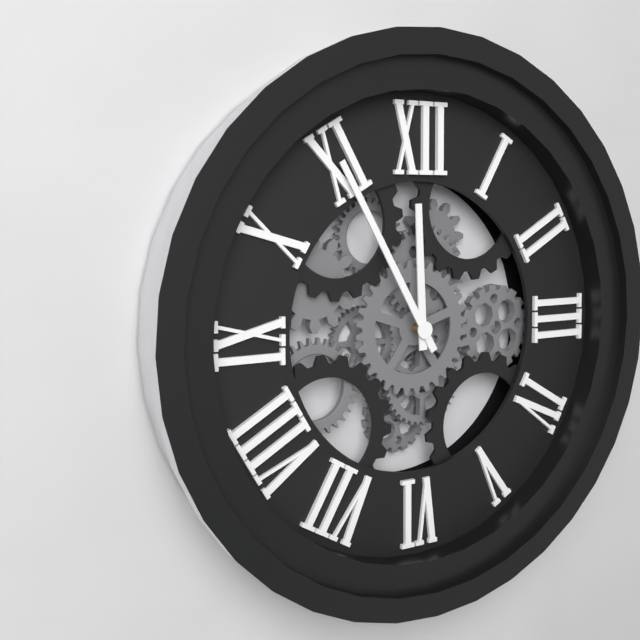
**11:55**
